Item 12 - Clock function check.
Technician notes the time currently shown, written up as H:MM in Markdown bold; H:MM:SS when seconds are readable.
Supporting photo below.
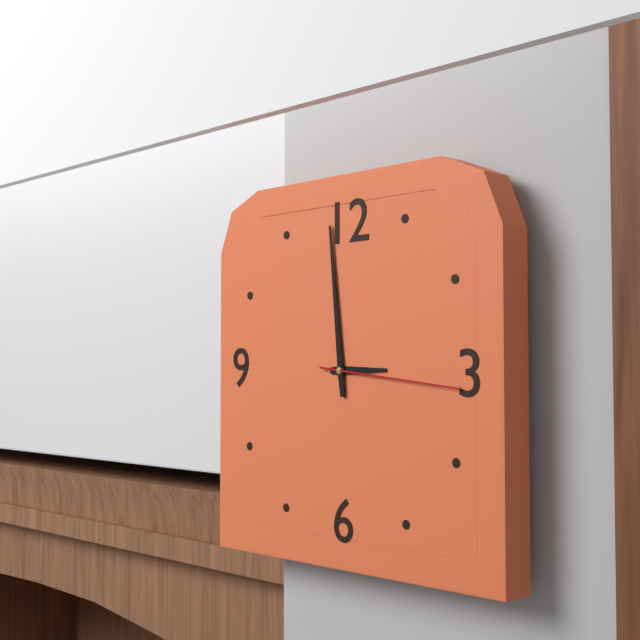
**2:59:16**
